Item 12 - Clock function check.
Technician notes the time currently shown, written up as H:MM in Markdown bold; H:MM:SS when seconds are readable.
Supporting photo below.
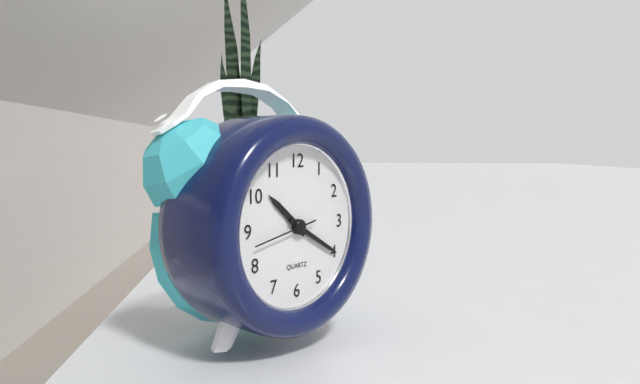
**10:20:43**
